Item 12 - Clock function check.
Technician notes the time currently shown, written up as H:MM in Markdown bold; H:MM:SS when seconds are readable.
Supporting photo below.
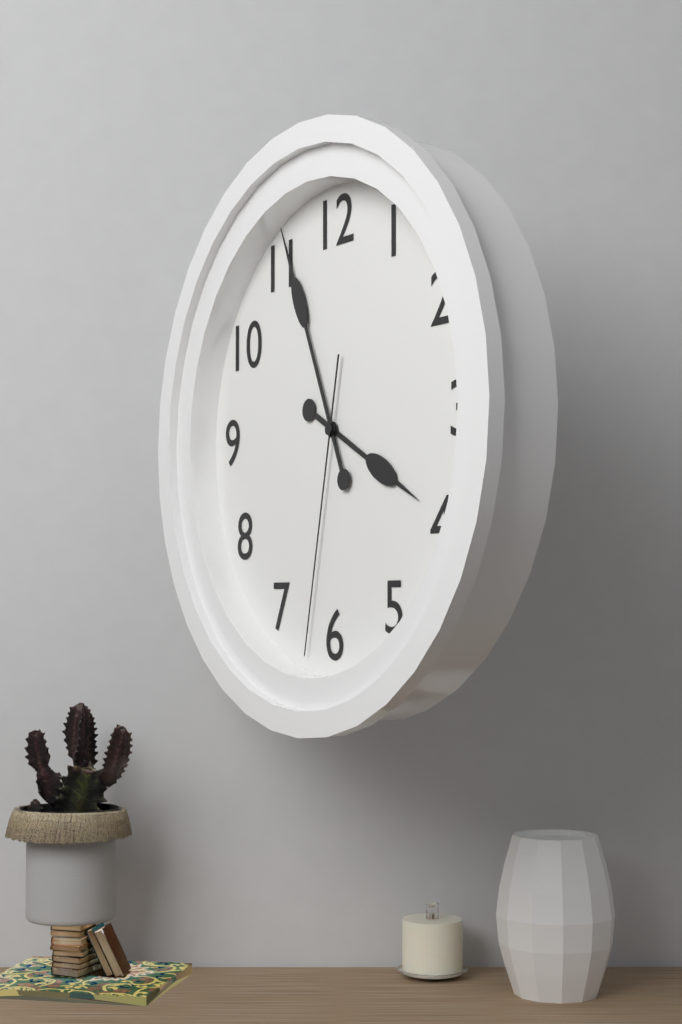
**3:56:32**
